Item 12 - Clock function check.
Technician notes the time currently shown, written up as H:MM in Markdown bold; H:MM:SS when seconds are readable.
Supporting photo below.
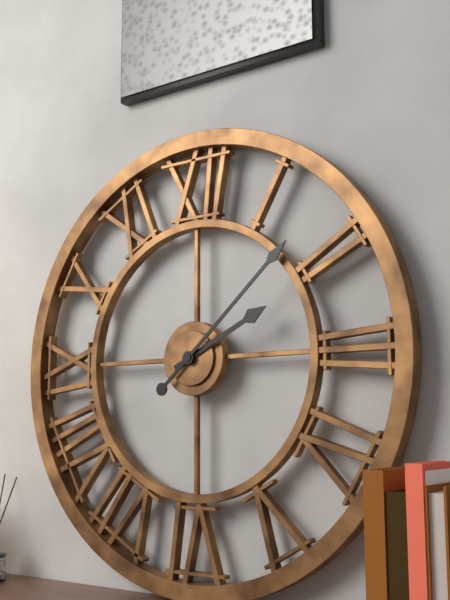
**2:08**
